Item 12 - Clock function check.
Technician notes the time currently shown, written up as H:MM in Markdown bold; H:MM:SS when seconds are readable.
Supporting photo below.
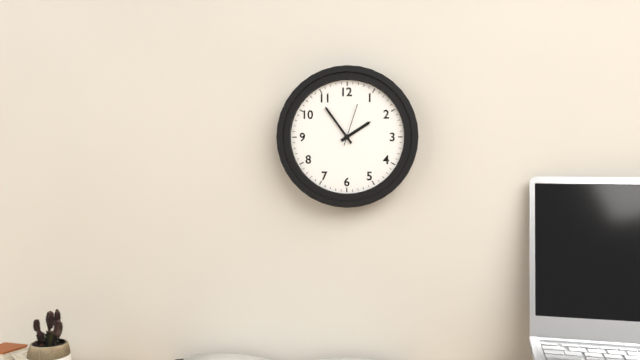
**1:54**
